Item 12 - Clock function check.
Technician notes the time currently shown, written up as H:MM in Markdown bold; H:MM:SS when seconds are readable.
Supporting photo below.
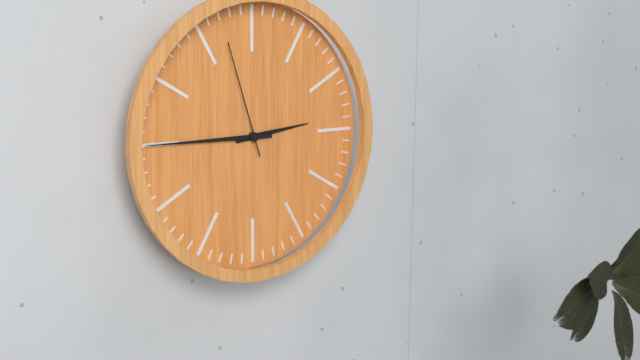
**2:45:57**
